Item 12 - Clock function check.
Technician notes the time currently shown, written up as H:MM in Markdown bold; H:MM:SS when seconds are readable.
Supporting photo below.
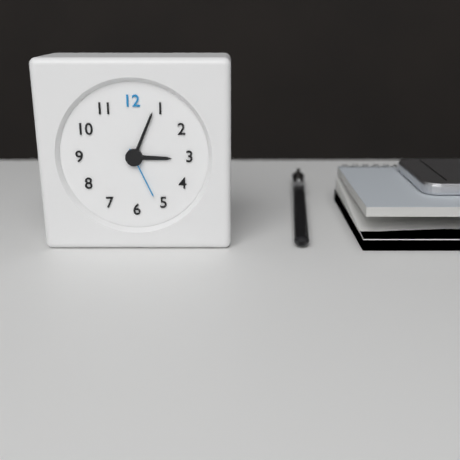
**3:04:26**
